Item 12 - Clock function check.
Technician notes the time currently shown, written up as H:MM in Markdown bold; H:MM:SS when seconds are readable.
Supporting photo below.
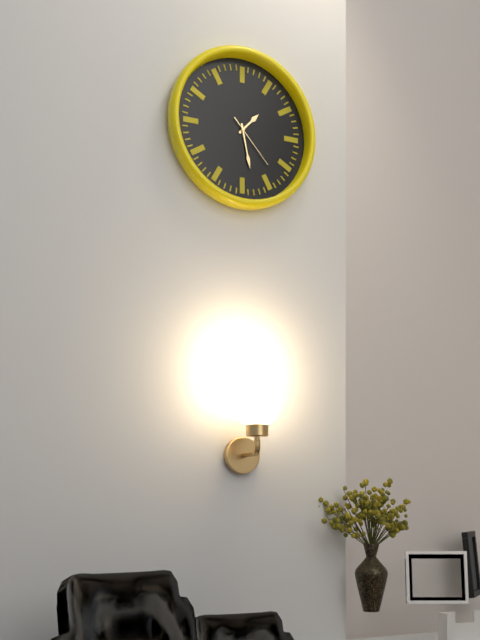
**1:28:23**
